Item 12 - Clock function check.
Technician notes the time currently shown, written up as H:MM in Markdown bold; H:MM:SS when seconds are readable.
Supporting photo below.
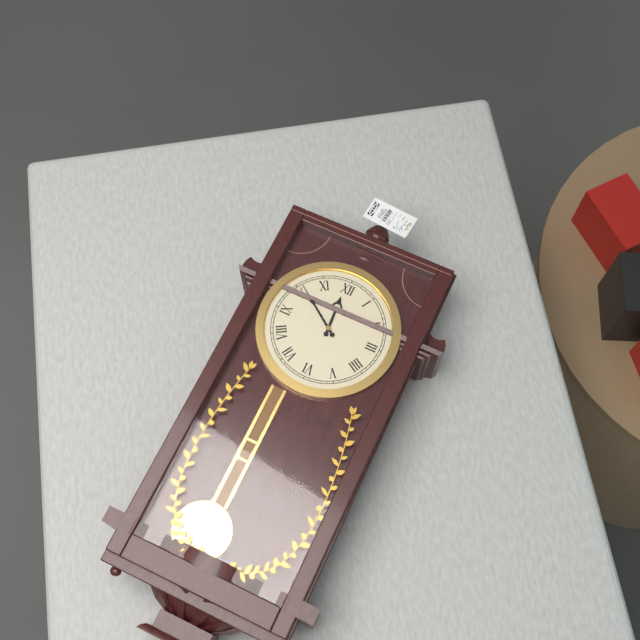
**11:51**
